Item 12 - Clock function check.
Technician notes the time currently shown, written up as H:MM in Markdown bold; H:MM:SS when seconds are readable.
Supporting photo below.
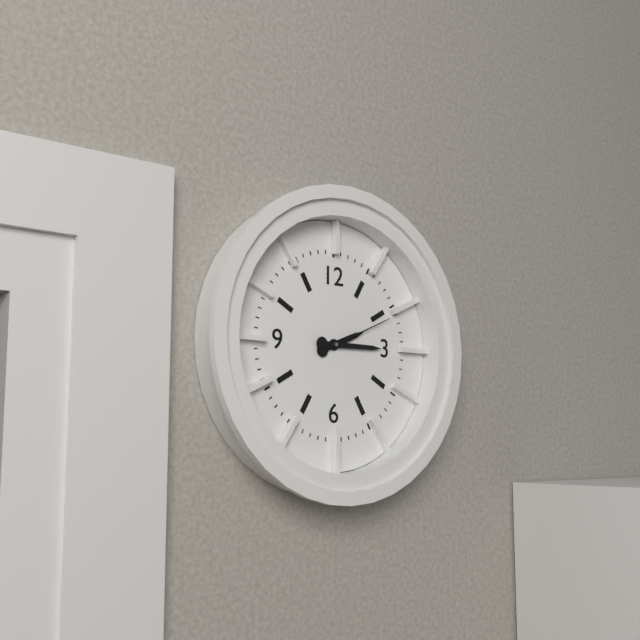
**2:15:11**
